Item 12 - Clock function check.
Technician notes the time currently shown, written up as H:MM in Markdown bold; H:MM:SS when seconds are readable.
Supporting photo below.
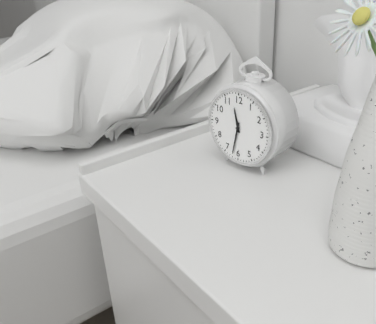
**11:32**
